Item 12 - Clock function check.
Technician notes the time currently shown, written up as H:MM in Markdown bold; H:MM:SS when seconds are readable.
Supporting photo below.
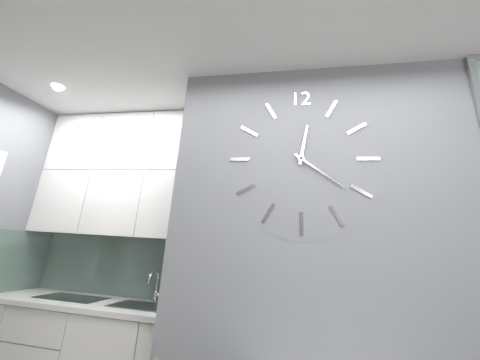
**12:21**
